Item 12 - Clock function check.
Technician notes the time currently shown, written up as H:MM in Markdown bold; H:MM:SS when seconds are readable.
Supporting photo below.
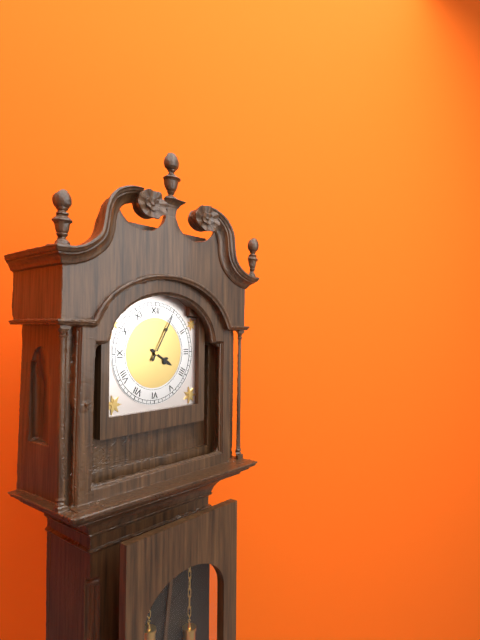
**4:05**
